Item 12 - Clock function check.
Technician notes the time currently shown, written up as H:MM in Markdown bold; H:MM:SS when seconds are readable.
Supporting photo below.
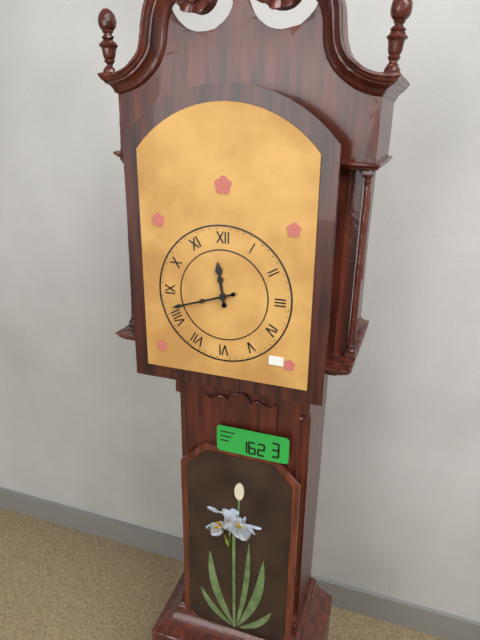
**11:42**
